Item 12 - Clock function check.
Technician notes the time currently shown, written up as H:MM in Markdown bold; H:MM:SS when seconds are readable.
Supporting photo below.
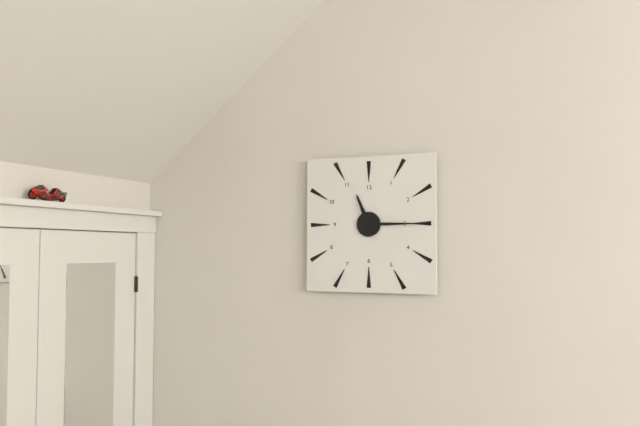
**11:15**
